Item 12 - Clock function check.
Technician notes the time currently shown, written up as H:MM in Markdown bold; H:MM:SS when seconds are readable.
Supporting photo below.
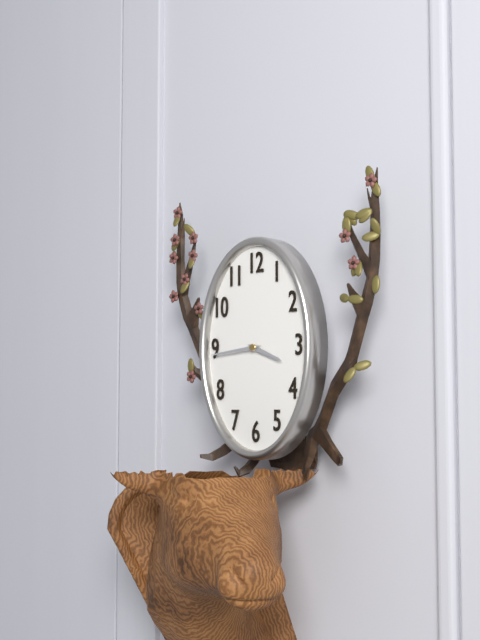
**3:44**
